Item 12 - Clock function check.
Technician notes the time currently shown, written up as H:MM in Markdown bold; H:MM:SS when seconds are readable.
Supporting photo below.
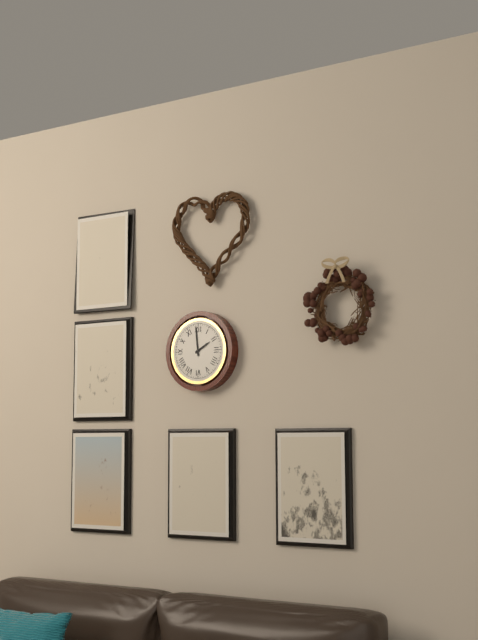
**1:59**
